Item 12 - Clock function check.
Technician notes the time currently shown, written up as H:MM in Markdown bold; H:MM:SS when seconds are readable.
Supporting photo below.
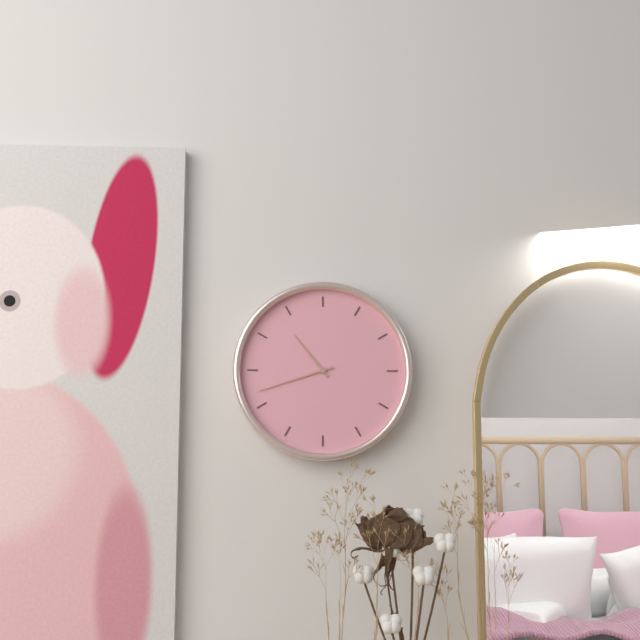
**10:42**
